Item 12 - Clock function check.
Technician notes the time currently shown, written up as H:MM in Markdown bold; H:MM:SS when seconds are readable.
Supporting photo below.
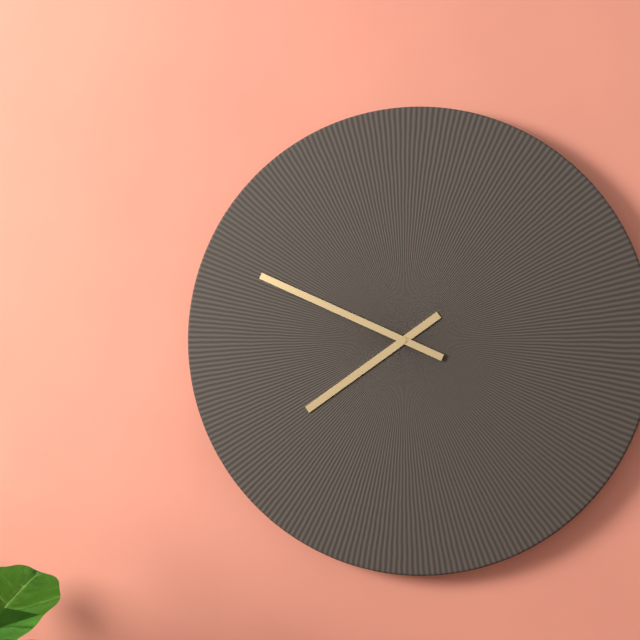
**7:49**
